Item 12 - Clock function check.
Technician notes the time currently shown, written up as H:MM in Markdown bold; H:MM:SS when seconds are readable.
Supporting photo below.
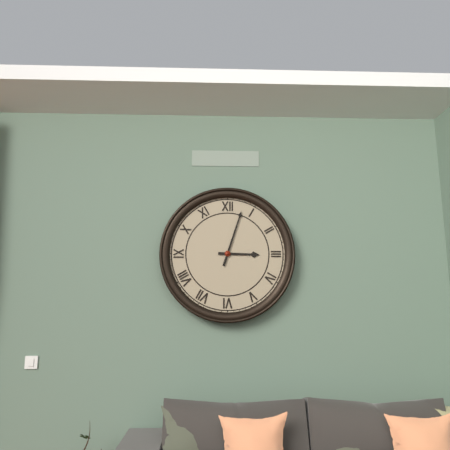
**3:03**
